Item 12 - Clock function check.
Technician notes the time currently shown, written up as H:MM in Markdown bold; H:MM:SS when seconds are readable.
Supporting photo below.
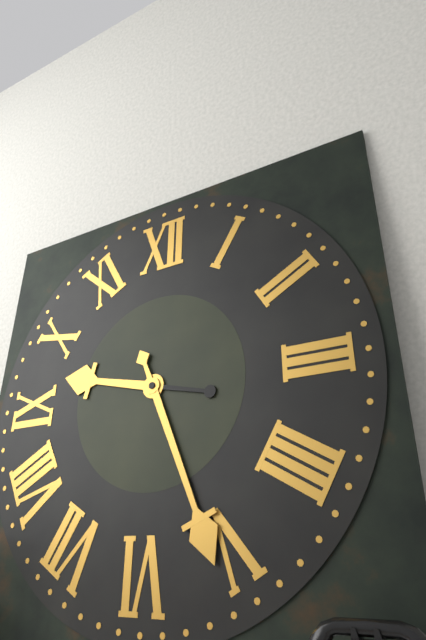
**9:26**
